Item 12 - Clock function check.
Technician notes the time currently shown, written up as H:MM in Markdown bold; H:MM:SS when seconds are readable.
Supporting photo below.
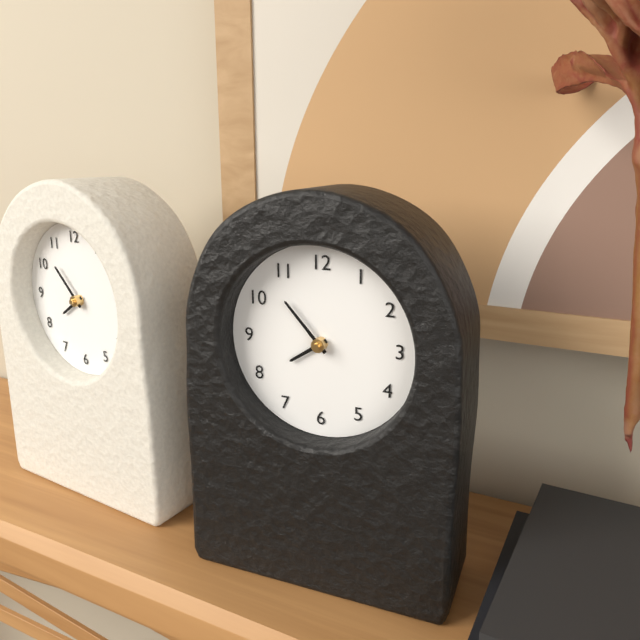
**7:53**
